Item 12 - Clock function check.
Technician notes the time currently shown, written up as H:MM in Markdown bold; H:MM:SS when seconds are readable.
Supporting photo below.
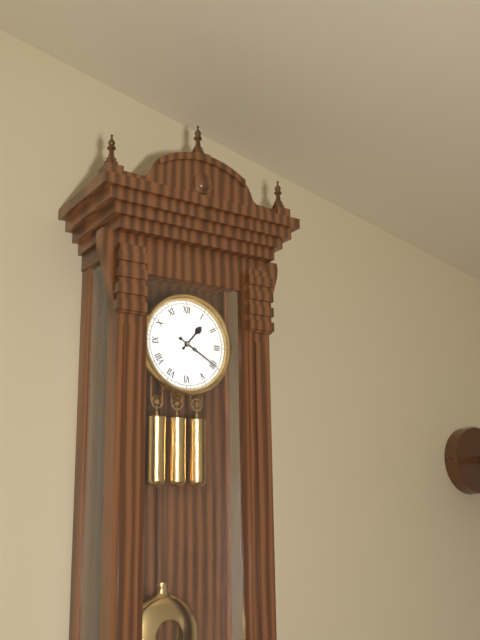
**1:20**
